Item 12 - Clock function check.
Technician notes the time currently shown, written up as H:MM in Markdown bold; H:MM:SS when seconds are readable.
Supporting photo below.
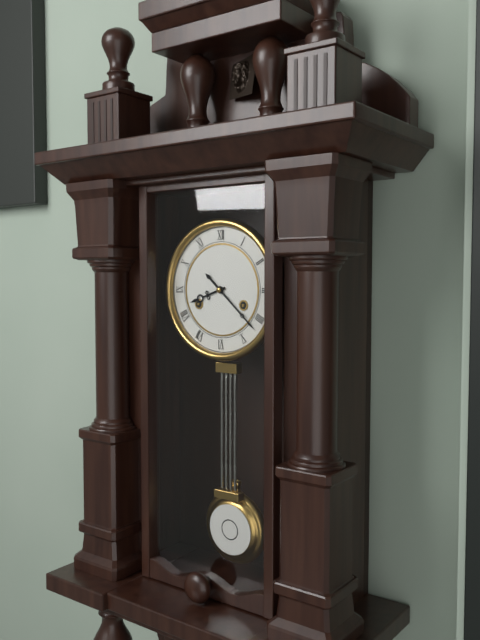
**8:22**
